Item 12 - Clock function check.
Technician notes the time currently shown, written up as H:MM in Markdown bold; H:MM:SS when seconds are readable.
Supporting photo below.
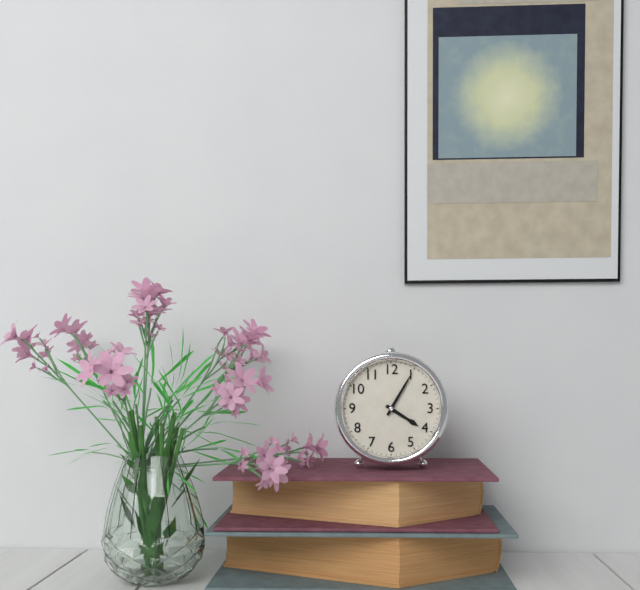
**4:05**
